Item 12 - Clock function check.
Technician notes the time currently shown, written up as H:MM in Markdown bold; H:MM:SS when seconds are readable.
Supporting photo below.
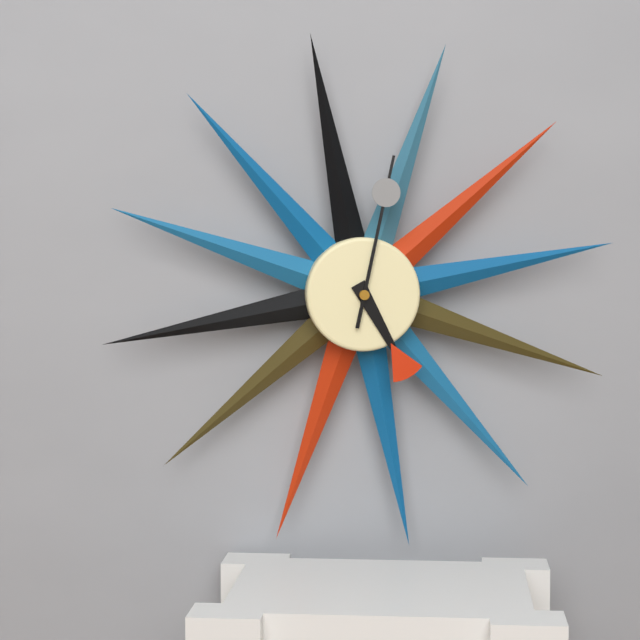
**5:02**
